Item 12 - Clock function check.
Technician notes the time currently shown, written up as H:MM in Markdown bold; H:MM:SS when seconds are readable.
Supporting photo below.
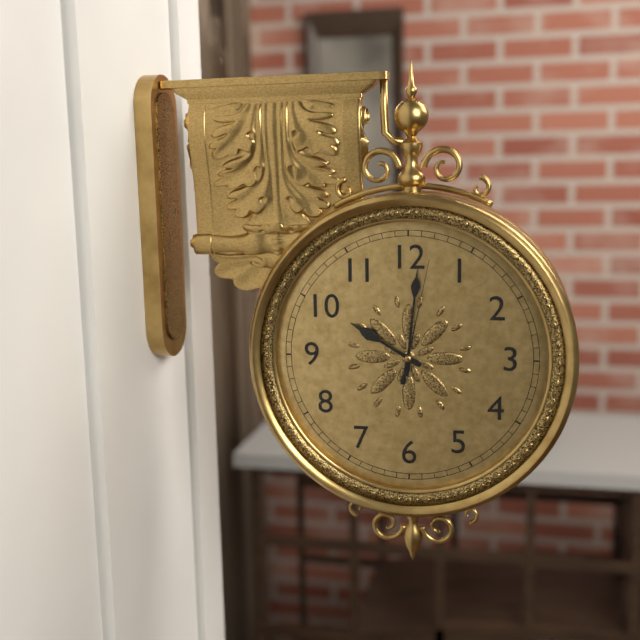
**10:01:02**
